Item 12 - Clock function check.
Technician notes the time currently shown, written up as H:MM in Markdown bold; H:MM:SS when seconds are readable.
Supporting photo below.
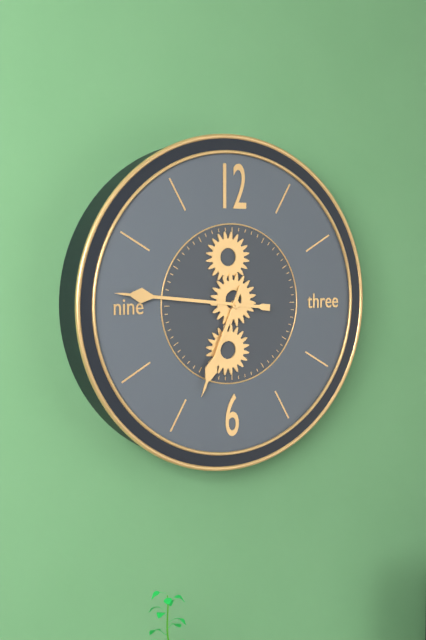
**6:46**
